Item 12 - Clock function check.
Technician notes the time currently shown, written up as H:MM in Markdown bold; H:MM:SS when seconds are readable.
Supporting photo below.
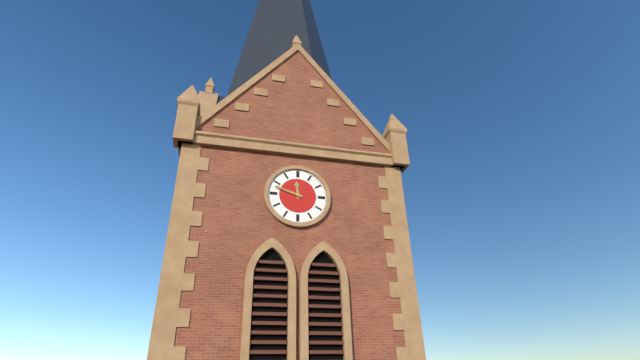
**11:48**
